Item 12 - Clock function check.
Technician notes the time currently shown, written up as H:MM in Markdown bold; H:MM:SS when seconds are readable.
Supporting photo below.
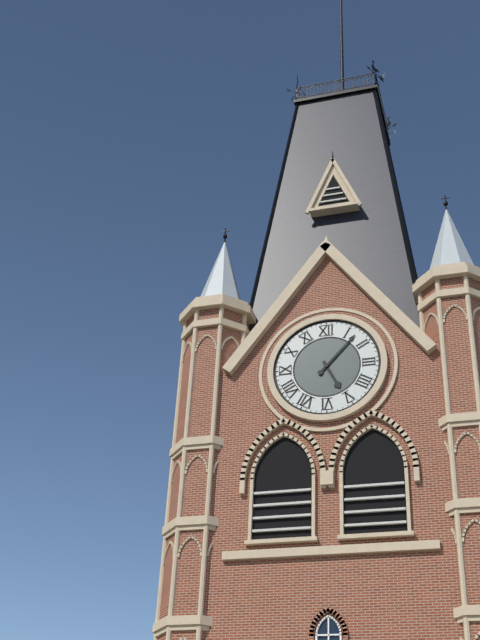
**5:07**
